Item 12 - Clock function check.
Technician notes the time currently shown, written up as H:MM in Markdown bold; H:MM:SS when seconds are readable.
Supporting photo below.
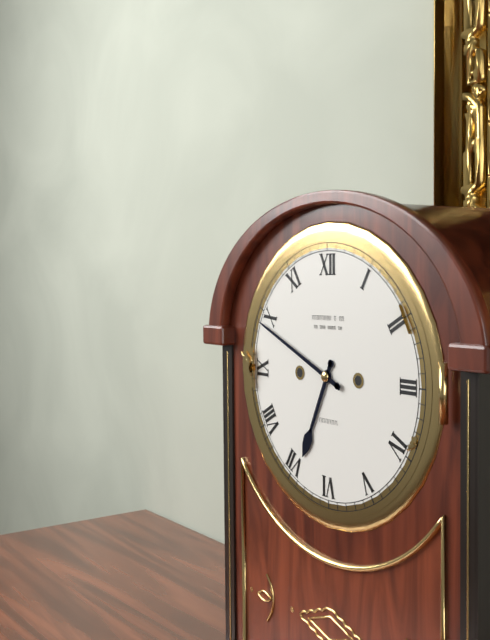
**6:49**
